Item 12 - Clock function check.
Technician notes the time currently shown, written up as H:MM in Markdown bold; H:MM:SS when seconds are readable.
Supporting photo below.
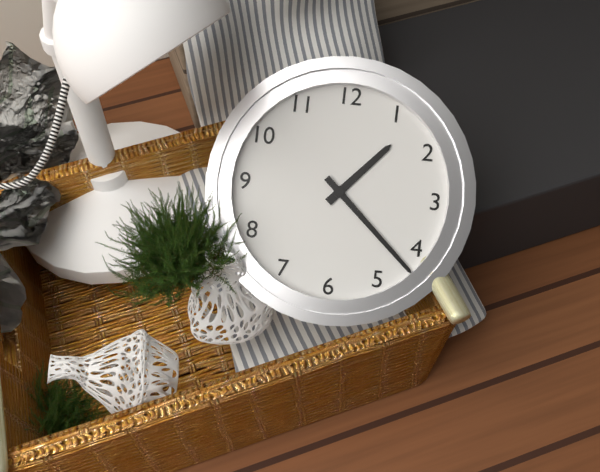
**1:22**
